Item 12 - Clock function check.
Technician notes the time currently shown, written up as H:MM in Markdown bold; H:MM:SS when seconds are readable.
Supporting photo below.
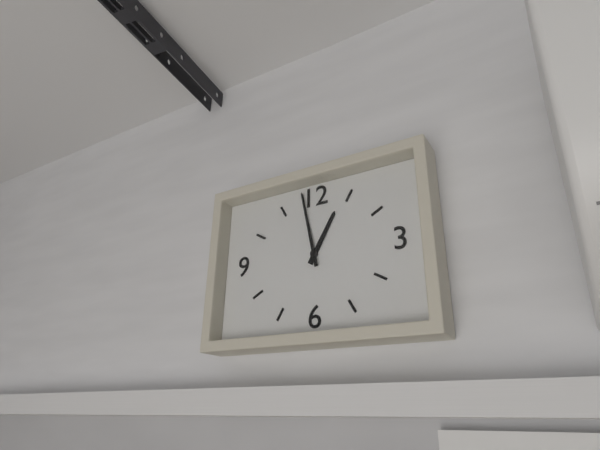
**12:58**
